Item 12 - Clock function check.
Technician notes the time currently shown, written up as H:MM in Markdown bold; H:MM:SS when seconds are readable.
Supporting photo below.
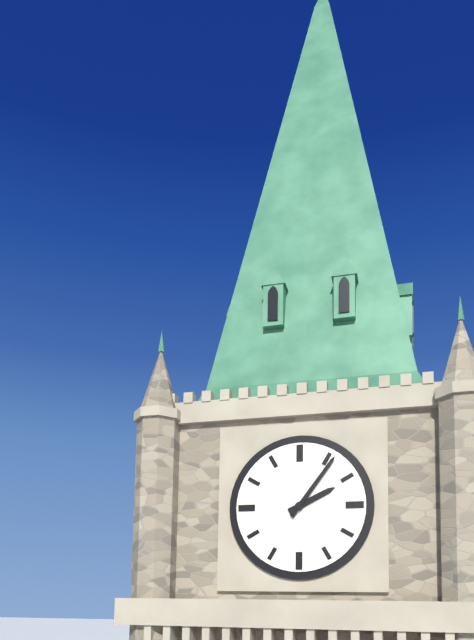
**2:06**
